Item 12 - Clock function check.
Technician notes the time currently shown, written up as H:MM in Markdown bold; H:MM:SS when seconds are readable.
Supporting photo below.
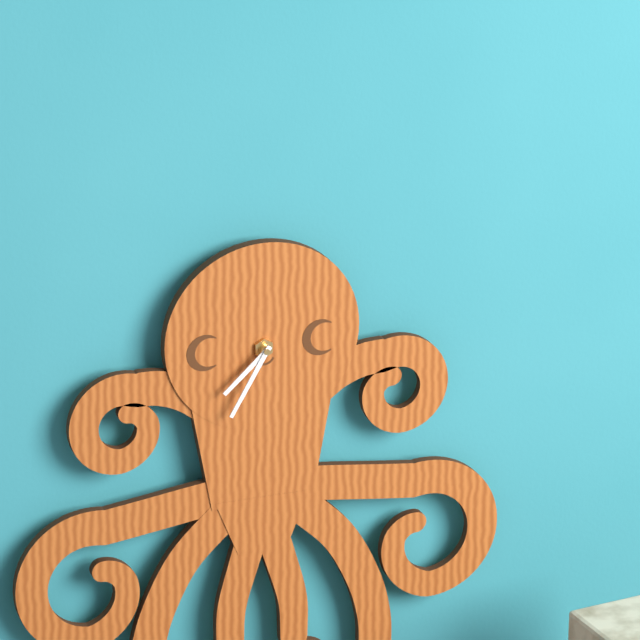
**7:35**
